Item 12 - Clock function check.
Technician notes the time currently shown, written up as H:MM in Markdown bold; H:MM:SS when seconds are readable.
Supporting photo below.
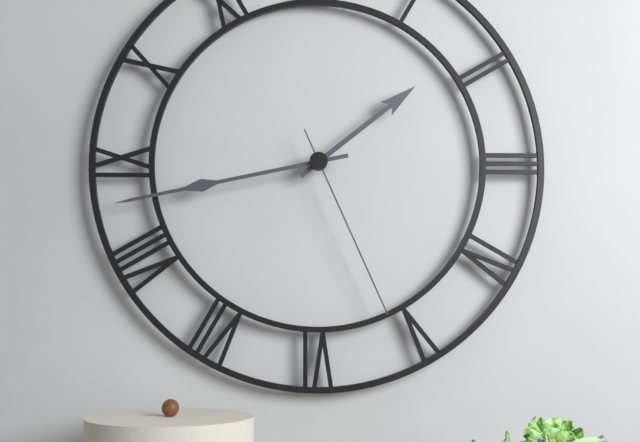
**1:43:26**
